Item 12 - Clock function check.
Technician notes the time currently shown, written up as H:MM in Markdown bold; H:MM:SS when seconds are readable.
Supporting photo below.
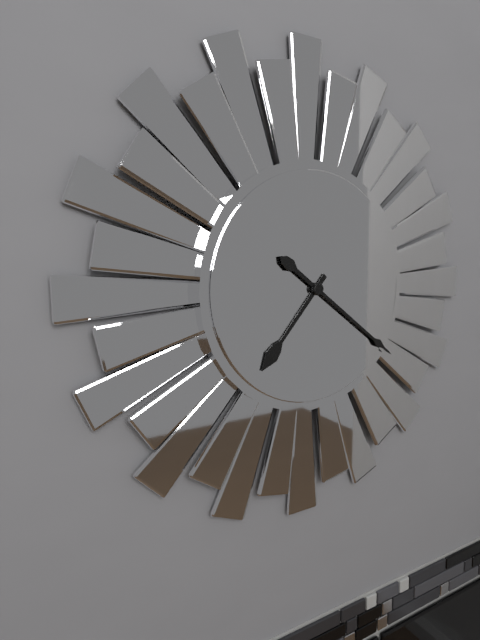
**7:21**
